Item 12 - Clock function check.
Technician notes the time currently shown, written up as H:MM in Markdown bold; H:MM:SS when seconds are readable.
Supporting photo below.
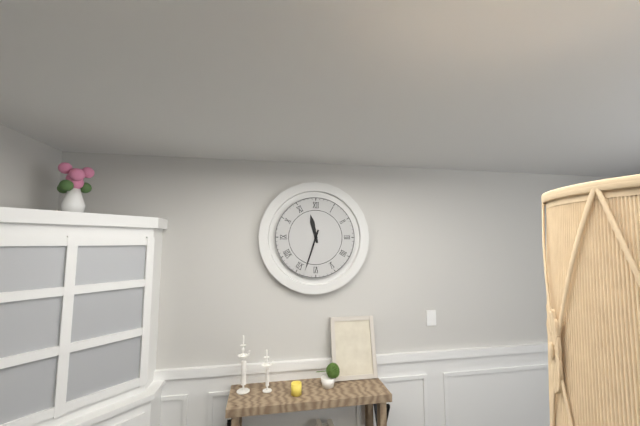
**11:33**
